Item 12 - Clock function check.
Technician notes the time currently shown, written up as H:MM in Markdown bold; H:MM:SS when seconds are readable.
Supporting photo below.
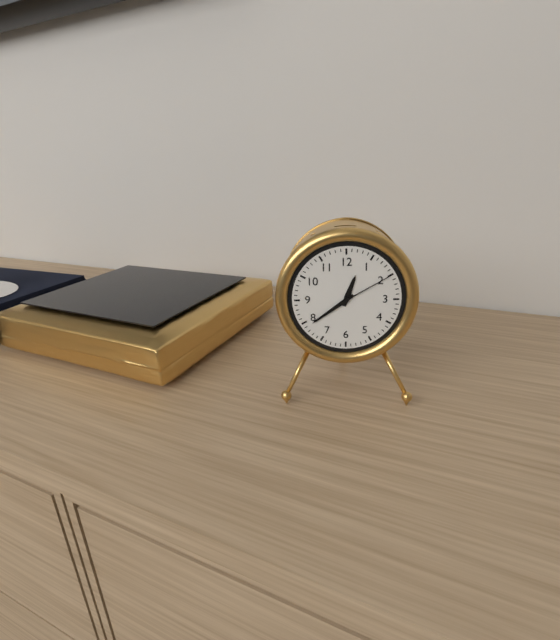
**12:39:10**
